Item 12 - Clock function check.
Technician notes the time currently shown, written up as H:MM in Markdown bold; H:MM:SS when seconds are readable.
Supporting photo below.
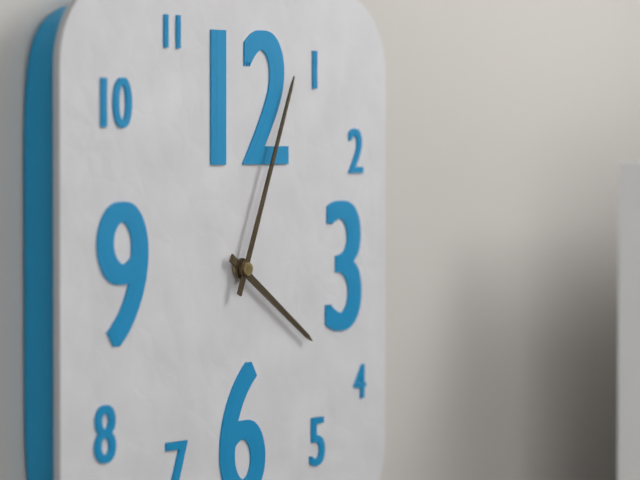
**4:04**
